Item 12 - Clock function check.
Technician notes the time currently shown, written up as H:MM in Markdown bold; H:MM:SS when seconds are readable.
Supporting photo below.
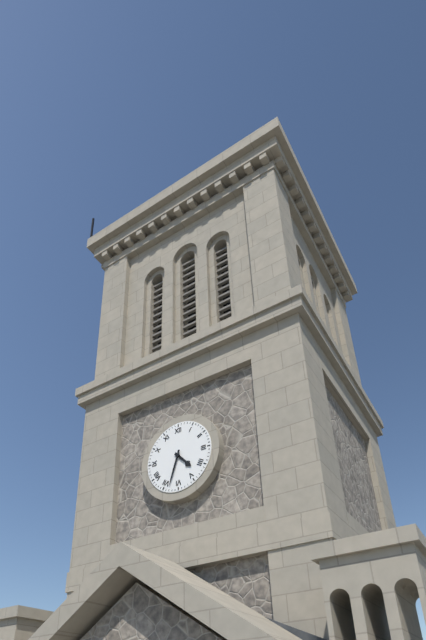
**4:33**
